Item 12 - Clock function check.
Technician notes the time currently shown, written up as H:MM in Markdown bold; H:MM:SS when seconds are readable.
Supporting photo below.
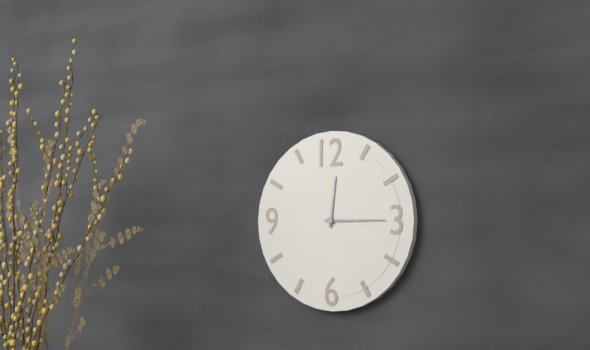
**12:15**
